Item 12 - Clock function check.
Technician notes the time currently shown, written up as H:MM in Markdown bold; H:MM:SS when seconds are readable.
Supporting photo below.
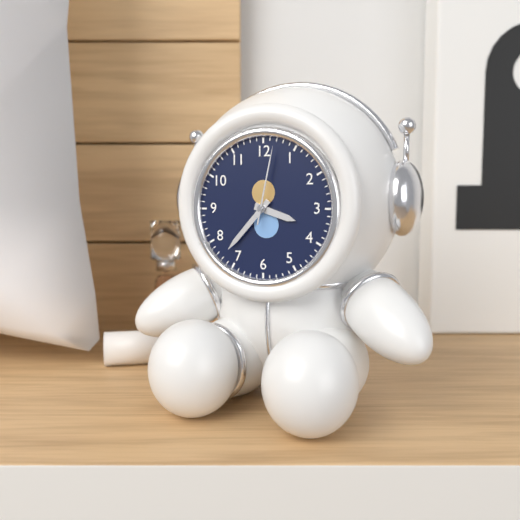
**3:37:02**
